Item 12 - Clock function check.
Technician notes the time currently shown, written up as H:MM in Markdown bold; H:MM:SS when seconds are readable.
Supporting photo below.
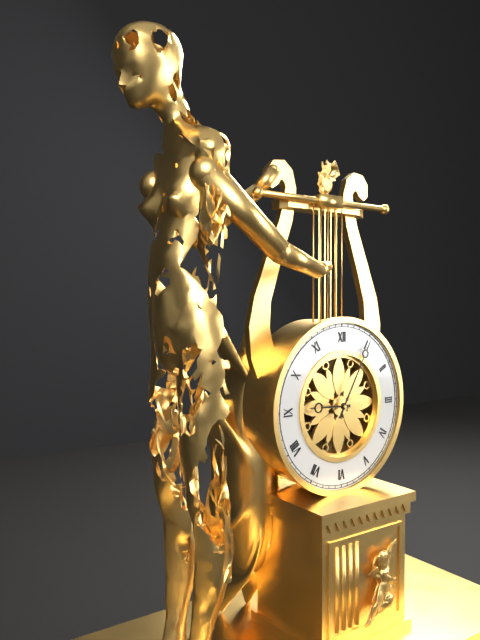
**9:05**
